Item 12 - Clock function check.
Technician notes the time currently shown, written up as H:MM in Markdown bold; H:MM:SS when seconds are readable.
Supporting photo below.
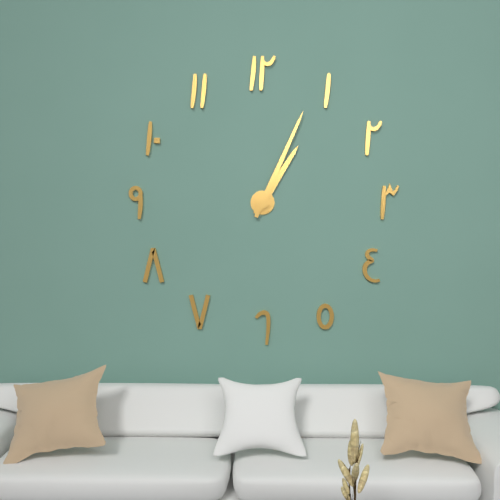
**1:04**
